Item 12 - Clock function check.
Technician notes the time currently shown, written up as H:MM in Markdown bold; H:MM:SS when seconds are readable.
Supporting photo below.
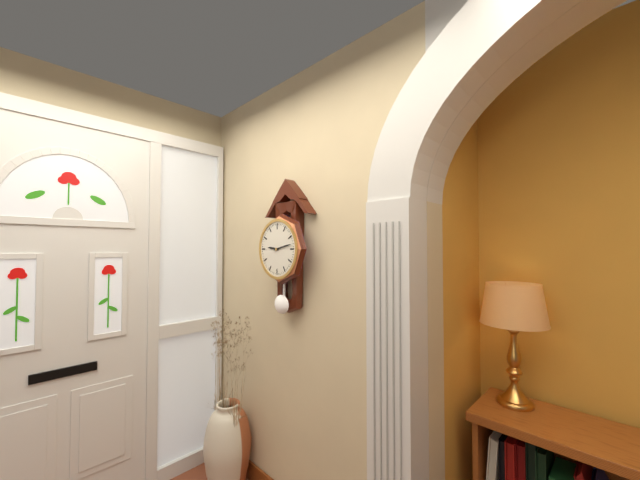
**9:13**
